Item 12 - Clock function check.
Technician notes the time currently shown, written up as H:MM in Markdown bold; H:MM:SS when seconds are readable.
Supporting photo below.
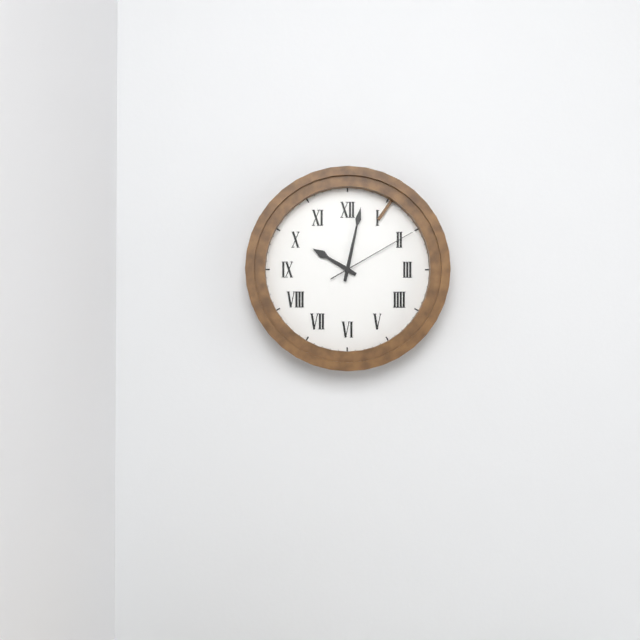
**10:02:10**
